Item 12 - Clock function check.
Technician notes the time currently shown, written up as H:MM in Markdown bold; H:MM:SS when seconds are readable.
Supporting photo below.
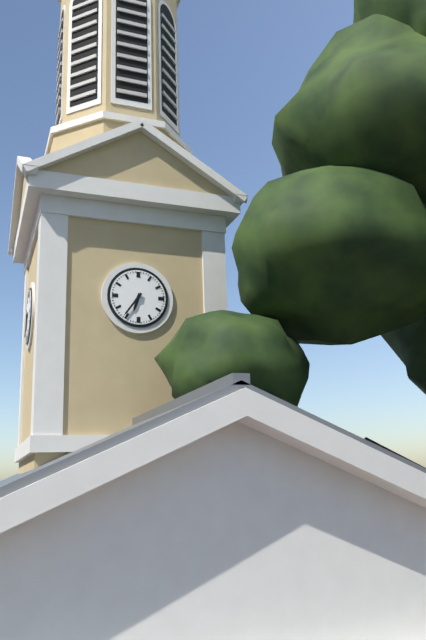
**6:36**
